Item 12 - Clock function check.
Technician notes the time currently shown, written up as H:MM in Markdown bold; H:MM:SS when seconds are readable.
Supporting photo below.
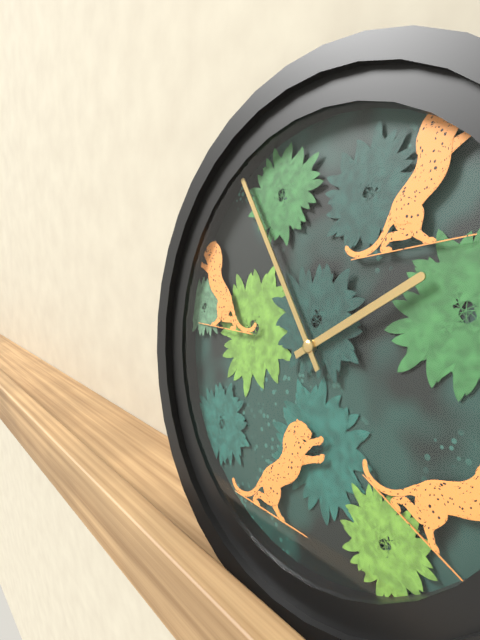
**1:54**
